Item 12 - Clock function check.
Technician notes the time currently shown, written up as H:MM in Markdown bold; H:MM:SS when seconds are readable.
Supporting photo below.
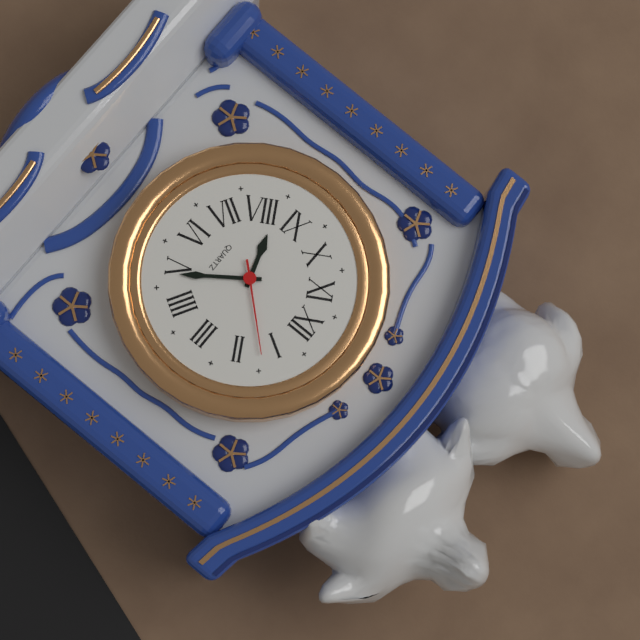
**8:24:07**
